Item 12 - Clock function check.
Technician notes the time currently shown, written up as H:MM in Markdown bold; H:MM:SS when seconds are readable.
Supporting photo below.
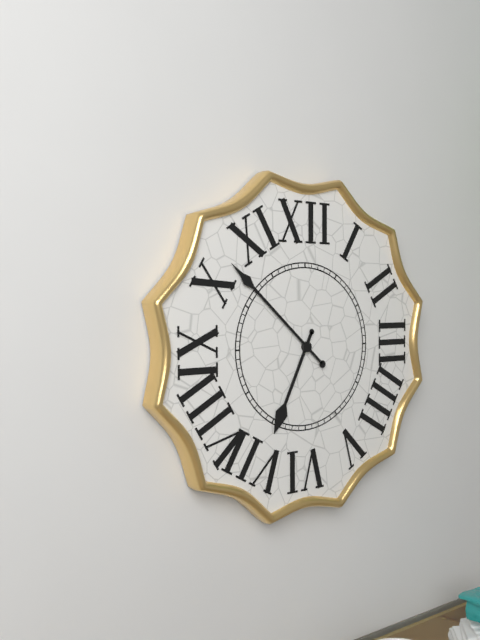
**6:52**
